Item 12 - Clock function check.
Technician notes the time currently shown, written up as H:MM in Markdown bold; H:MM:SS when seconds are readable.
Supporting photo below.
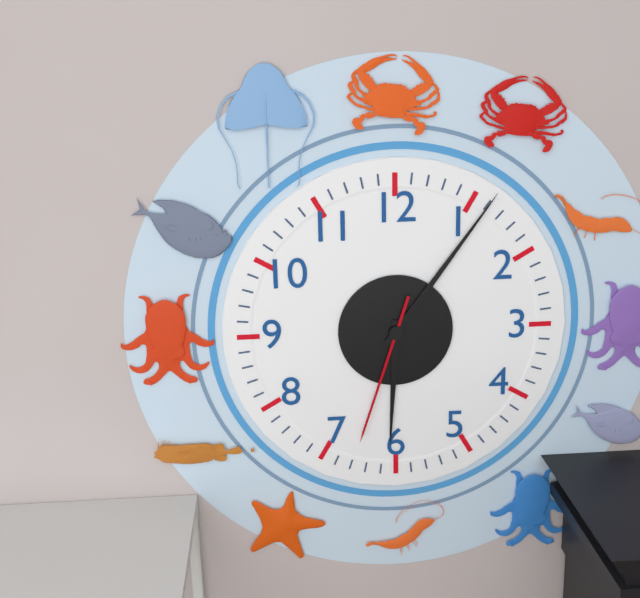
**6:06:33**
